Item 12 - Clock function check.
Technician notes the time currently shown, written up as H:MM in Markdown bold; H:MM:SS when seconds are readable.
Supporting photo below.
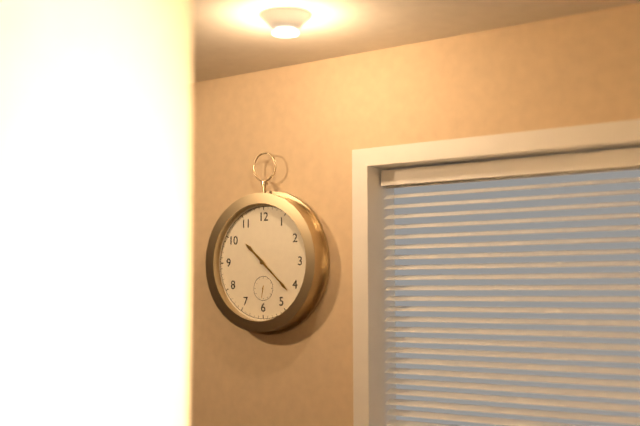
**10:22**
